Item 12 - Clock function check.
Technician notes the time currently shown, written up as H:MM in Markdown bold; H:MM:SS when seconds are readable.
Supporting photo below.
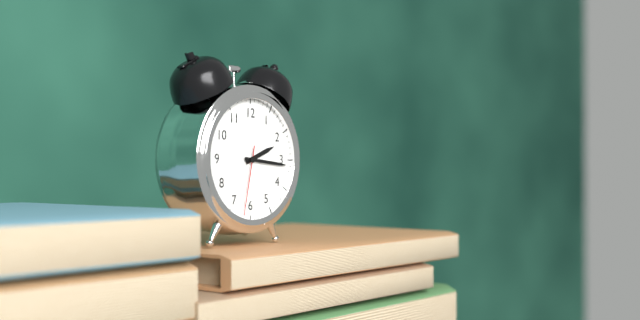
**2:16:32**
